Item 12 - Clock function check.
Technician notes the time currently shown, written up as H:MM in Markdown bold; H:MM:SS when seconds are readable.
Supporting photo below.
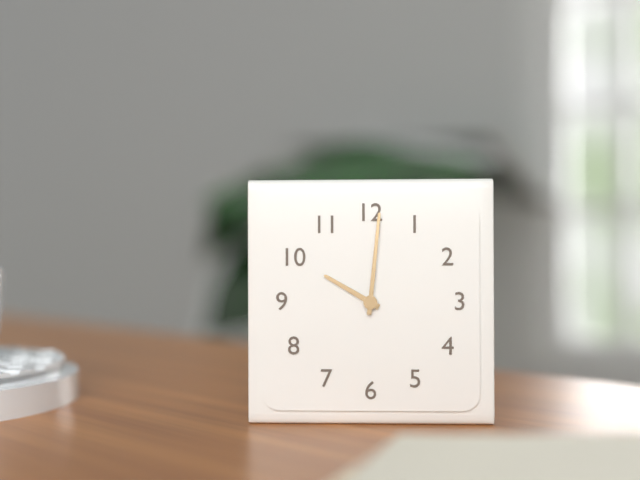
**10:01**
